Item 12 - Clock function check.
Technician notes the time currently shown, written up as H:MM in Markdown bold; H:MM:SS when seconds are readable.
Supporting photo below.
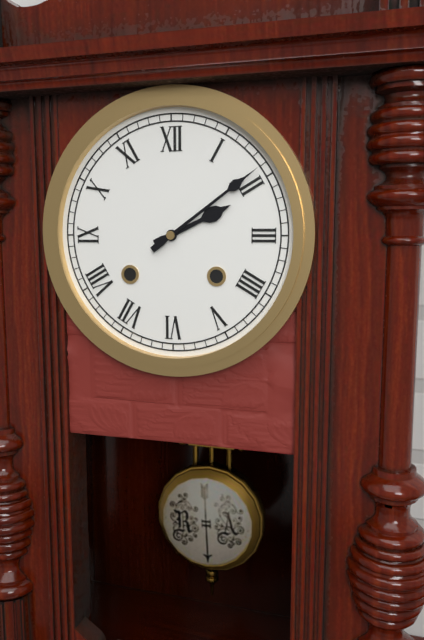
**2:09**
